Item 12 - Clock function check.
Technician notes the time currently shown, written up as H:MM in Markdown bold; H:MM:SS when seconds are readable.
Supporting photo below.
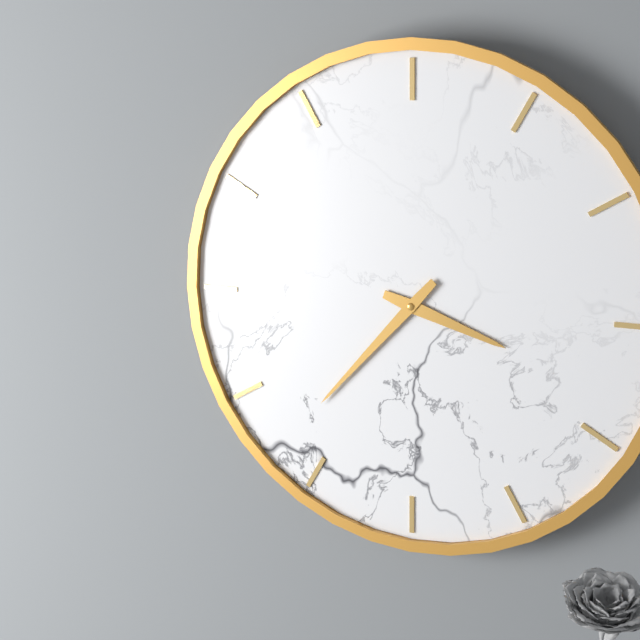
**3:37**
